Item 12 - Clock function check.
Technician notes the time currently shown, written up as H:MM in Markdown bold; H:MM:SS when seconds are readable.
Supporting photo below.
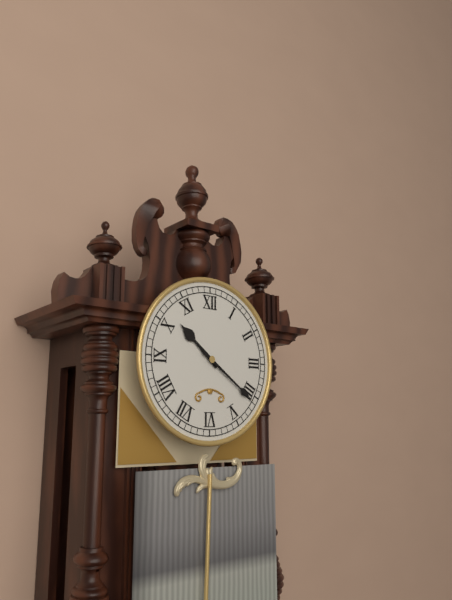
**10:21**
